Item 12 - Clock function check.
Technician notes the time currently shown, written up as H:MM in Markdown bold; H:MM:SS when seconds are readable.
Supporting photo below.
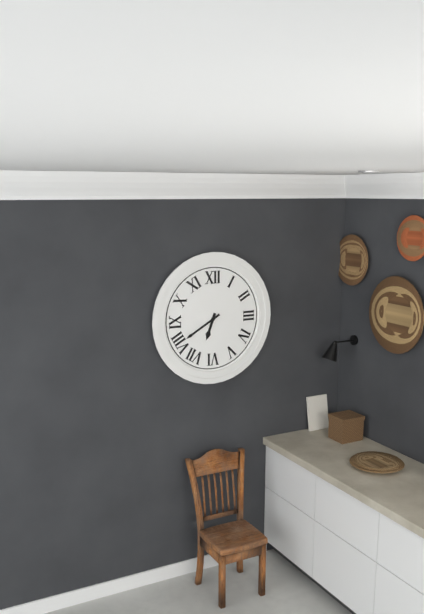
**6:40**
